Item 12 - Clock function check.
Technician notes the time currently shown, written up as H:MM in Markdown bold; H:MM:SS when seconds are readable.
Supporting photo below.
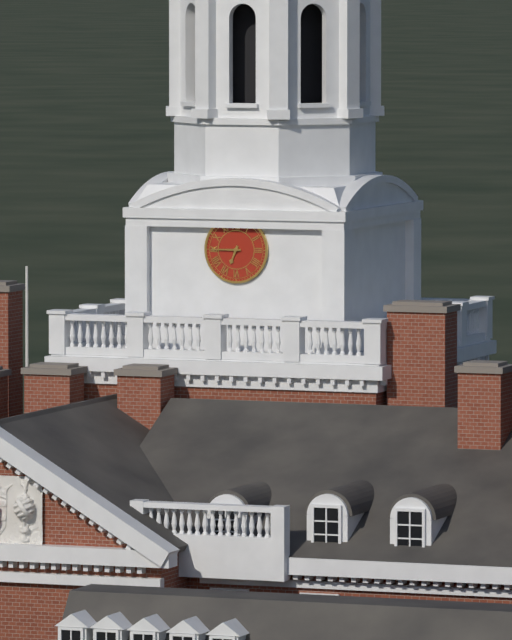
**6:45**
